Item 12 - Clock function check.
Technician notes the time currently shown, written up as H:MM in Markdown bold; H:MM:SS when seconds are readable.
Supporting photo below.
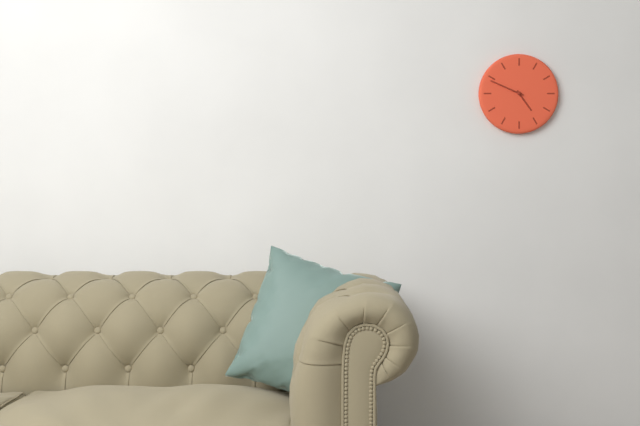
**4:49**
